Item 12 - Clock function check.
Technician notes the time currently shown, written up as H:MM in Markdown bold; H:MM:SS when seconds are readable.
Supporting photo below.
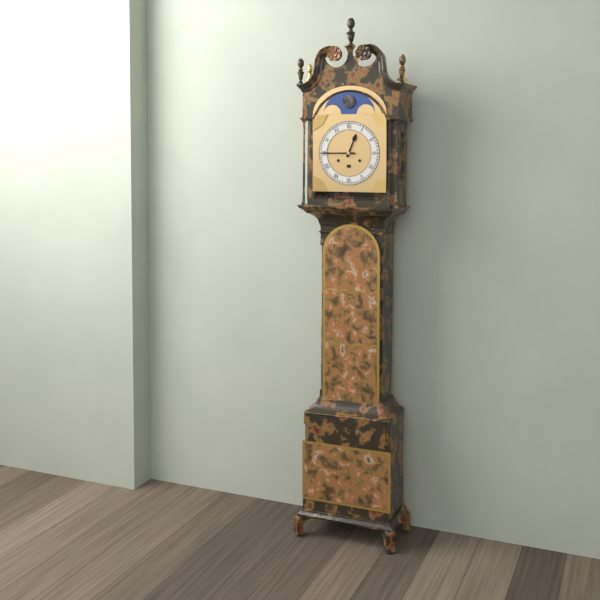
**12:45**
